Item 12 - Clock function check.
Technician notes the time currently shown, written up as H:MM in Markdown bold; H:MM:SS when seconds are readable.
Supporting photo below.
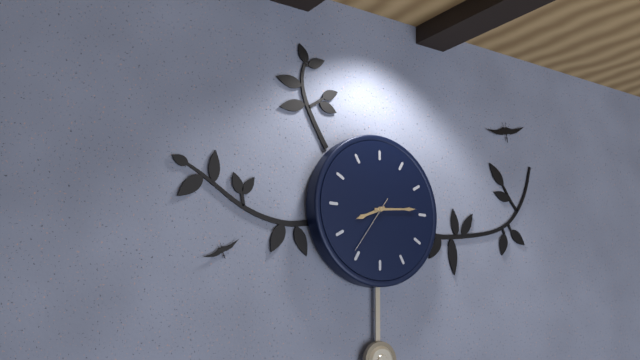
**8:14:36**
